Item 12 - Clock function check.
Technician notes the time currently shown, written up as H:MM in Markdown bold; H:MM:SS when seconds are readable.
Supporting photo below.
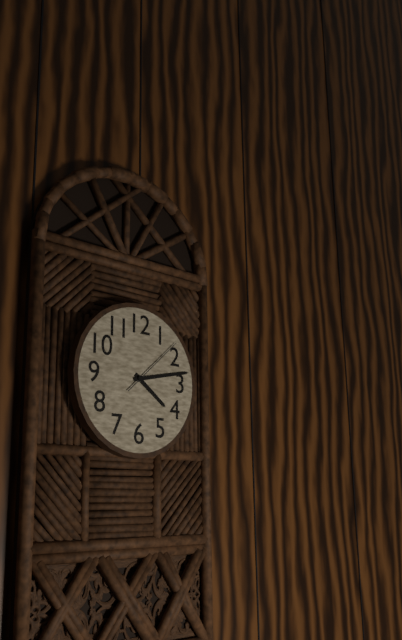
**4:13:08**
